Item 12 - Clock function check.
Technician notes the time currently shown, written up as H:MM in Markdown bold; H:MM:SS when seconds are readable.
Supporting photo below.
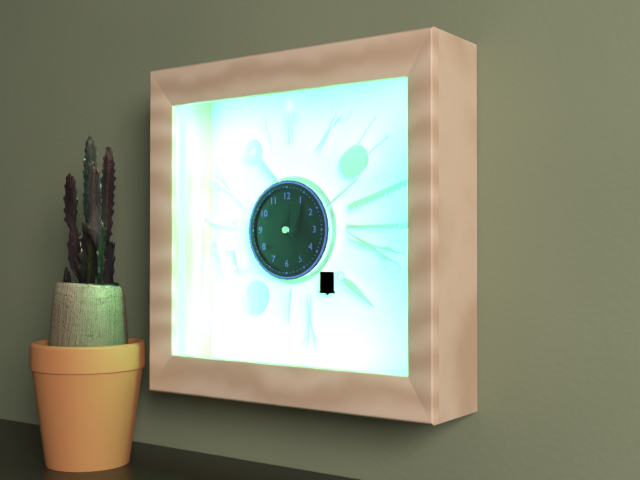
**12:24**
